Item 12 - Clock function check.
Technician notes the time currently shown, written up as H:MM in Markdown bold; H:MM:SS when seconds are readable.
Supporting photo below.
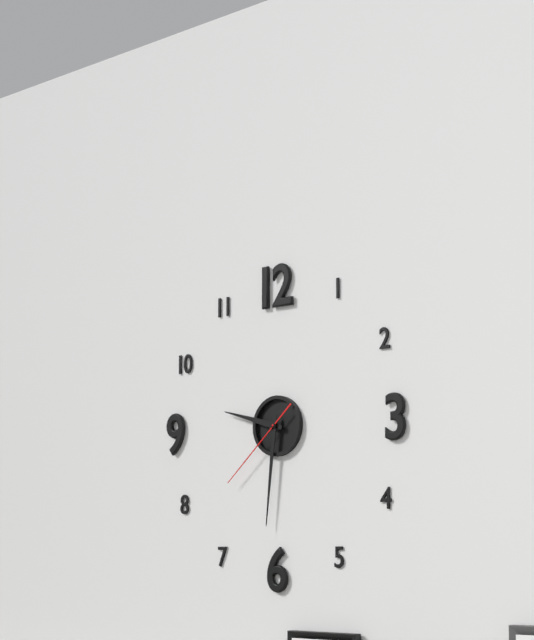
**9:31:38**
